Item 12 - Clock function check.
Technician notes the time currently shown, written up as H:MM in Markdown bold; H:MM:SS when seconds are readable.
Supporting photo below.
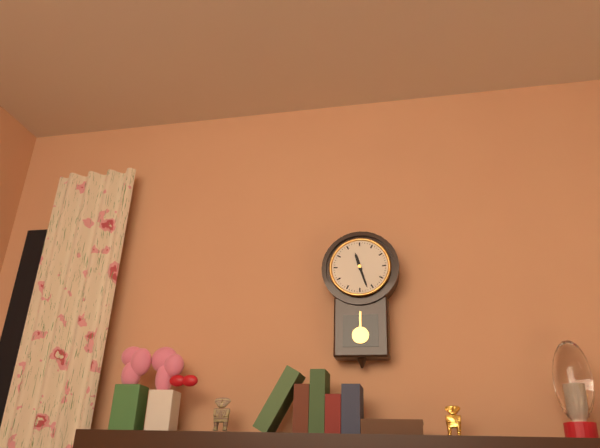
**11:27**
